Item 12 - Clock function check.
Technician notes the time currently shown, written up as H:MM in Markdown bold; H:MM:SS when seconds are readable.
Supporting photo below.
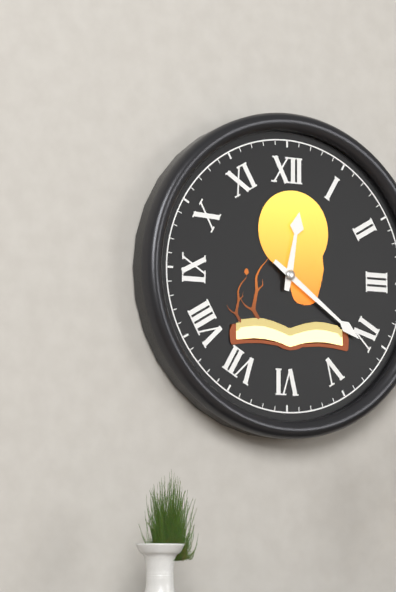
**12:21**
